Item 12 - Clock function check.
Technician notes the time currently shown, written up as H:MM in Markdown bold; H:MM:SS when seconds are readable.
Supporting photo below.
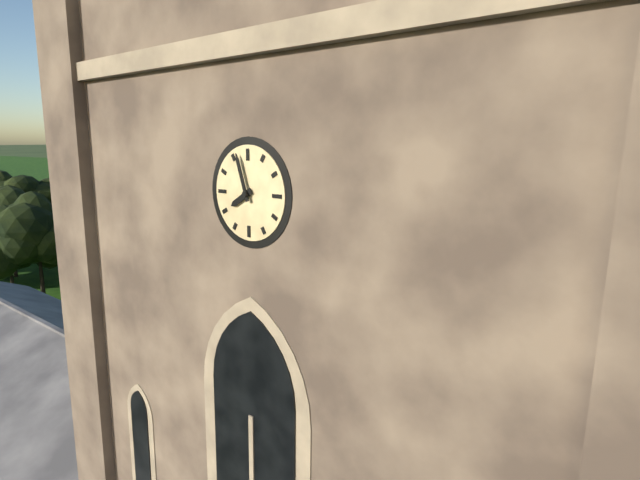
**7:57**
